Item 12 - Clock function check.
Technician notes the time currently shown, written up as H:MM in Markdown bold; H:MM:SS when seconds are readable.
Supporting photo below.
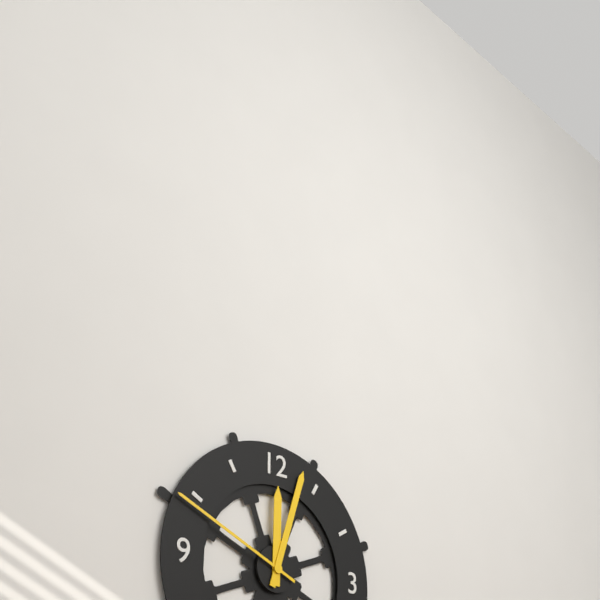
**12:03:49**
